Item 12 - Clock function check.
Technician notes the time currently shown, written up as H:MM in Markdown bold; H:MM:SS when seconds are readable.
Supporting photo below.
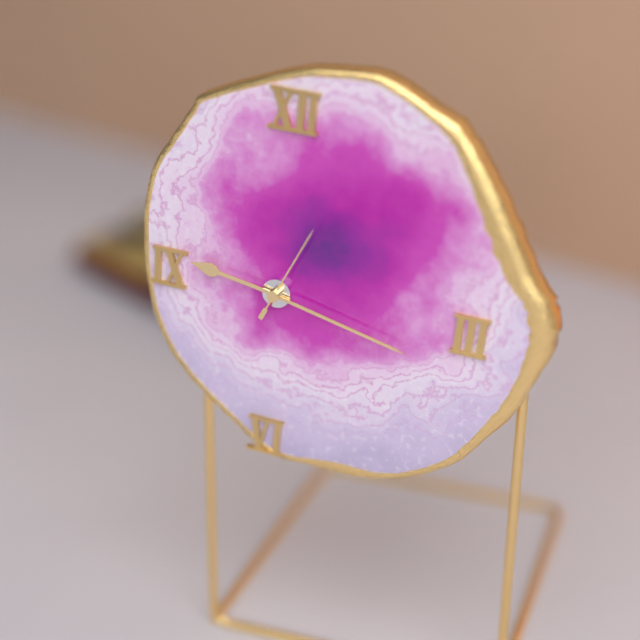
**9:17:04**
